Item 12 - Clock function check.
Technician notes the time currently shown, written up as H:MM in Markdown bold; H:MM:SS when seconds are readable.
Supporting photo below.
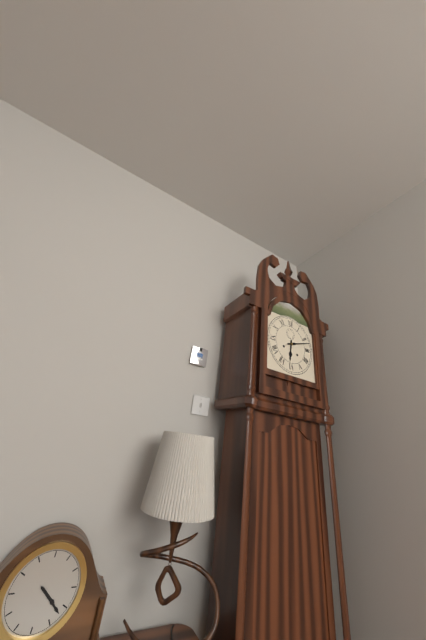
**6:12**
